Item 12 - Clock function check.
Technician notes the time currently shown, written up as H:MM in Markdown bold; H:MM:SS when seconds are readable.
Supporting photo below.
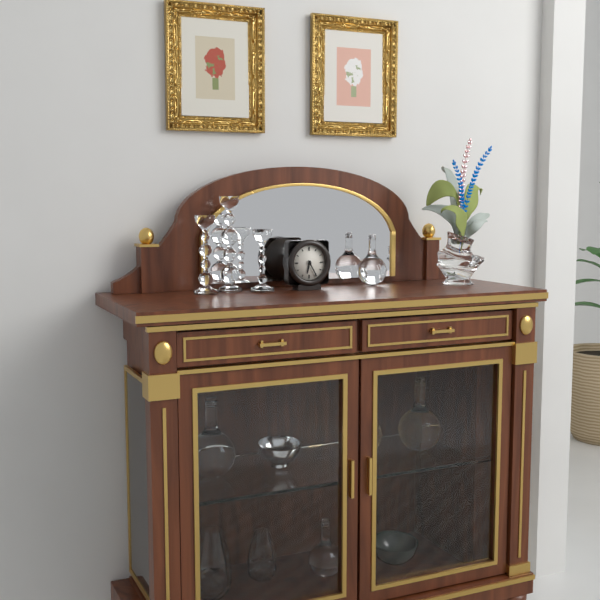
**6:25**
